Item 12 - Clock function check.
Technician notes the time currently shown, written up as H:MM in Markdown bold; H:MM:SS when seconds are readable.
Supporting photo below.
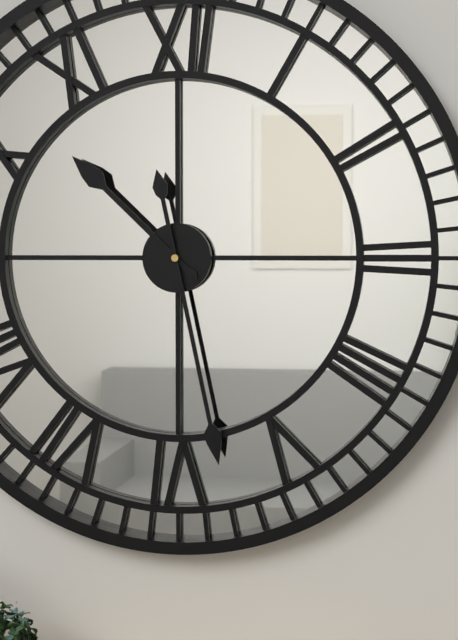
**10:28**
